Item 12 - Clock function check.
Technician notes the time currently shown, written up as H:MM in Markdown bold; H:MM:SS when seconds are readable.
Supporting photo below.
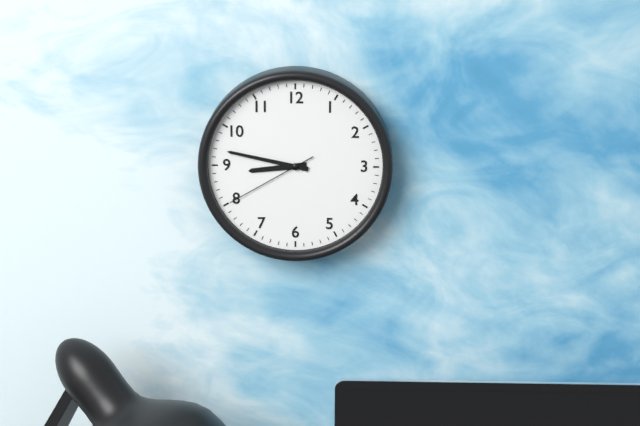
**8:47:40**
